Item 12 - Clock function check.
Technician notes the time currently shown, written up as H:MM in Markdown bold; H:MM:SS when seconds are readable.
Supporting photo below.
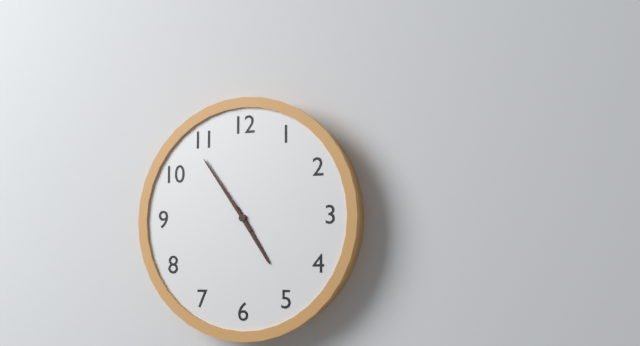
**4:54**
